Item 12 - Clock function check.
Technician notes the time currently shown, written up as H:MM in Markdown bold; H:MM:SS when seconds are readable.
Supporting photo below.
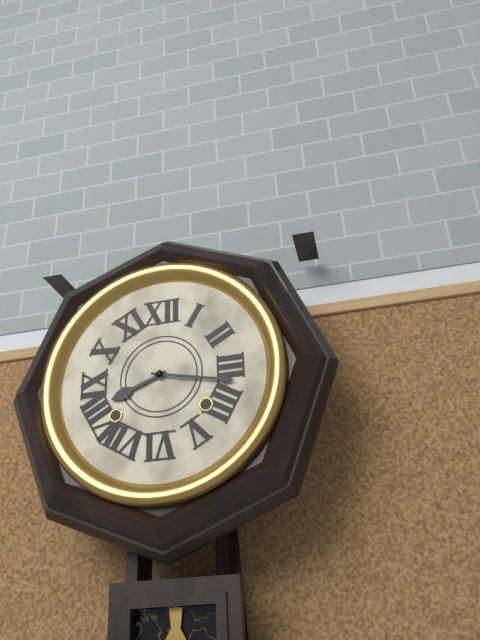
**8:17**
